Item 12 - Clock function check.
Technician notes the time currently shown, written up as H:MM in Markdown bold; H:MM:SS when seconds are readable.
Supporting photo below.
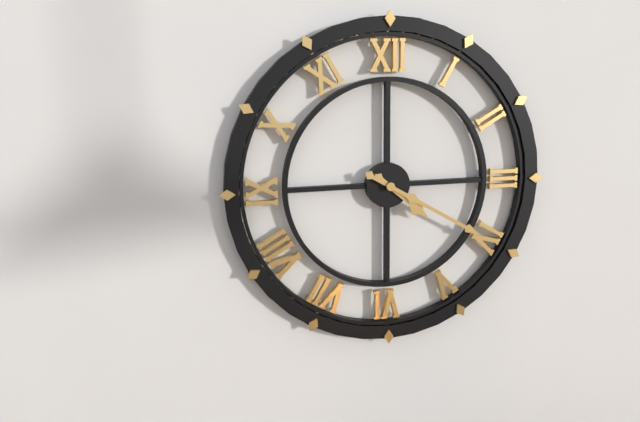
**4:20**
